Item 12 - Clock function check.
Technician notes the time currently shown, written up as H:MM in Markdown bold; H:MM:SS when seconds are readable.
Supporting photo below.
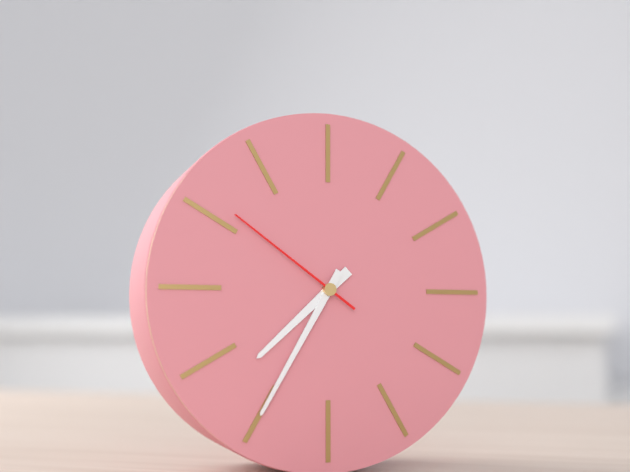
**7:35:51**
